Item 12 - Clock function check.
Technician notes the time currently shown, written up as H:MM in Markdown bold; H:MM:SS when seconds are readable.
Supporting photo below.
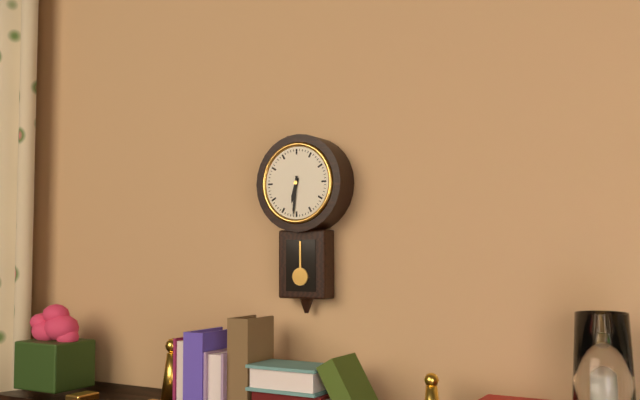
**6:31**
